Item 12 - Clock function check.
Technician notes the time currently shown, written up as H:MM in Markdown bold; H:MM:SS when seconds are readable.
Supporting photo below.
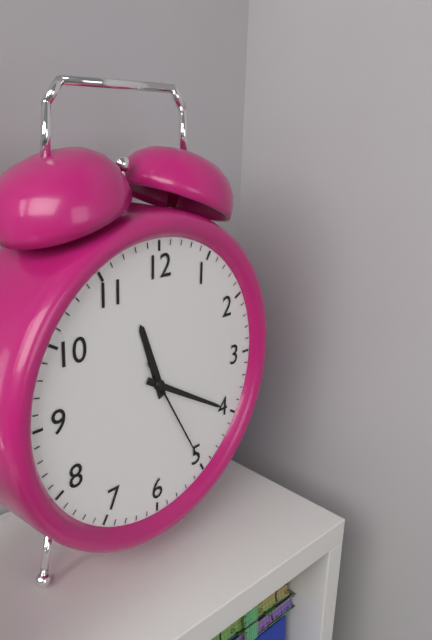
**11:20:25**
